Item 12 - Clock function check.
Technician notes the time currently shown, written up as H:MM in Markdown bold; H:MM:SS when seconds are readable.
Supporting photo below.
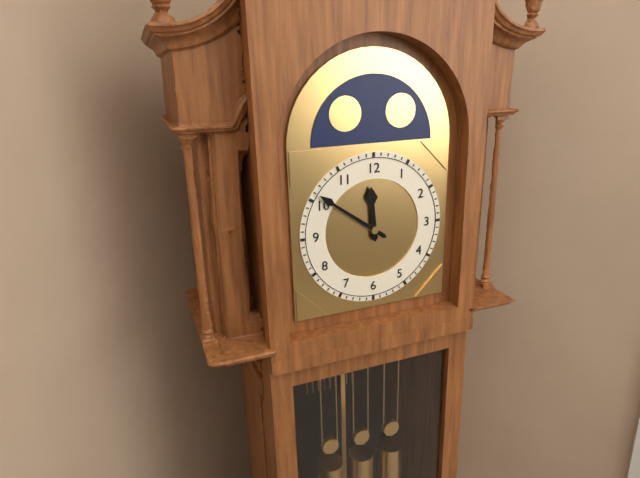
**11:51**
